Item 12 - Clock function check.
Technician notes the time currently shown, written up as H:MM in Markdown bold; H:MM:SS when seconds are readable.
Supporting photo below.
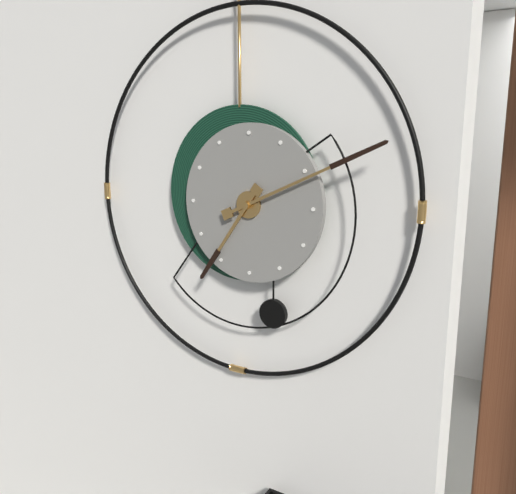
**7:11**
